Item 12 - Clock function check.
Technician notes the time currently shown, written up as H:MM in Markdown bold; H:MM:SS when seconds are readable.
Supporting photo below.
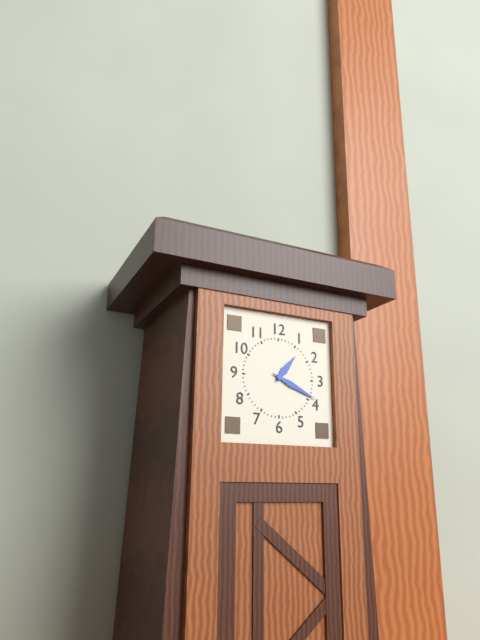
**1:19**
